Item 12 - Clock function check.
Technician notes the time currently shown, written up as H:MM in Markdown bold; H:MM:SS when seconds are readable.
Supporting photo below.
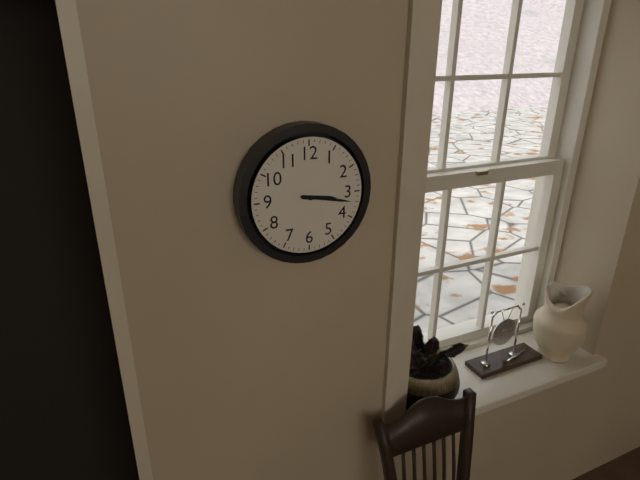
**3:17**
